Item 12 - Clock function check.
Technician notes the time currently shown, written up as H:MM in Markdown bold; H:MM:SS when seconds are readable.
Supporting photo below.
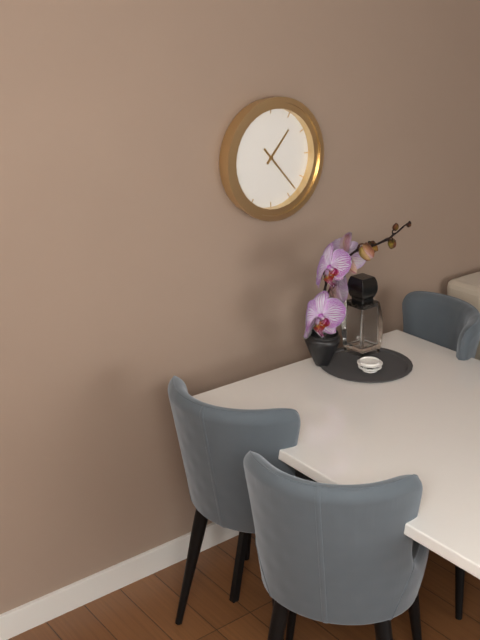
**1:23**
